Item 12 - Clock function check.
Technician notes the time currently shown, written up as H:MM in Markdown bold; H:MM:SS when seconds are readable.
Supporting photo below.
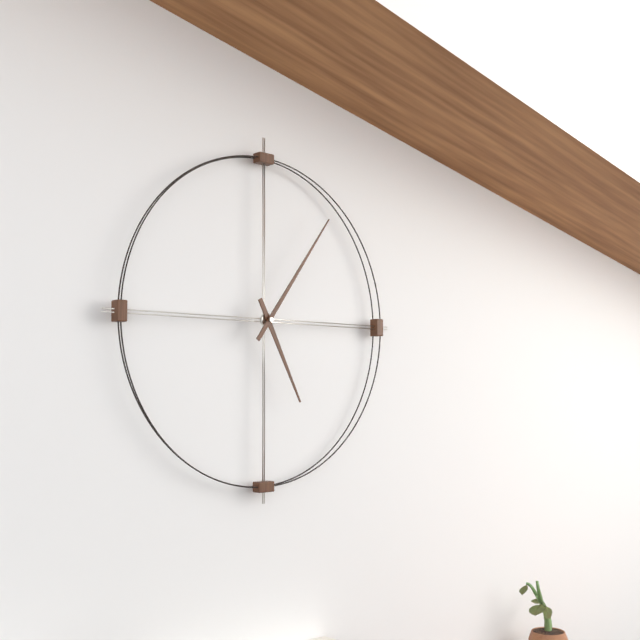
**5:06**
